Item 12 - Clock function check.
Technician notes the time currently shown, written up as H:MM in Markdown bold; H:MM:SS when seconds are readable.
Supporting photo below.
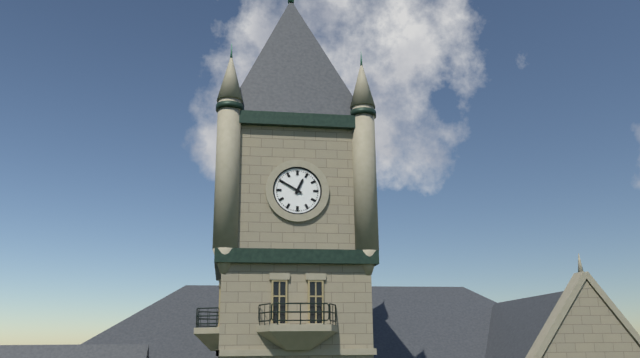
**12:50**
